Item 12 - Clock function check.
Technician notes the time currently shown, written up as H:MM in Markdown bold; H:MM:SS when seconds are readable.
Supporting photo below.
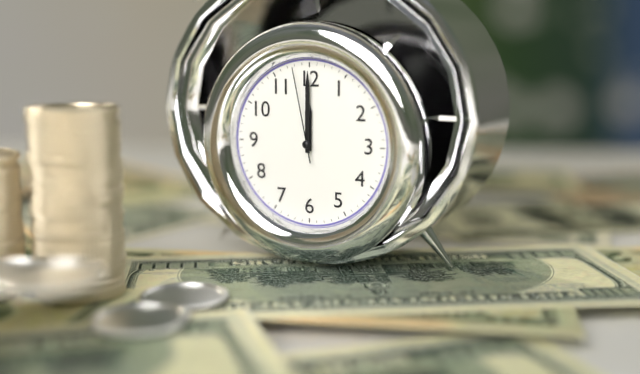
**12:00:58**
